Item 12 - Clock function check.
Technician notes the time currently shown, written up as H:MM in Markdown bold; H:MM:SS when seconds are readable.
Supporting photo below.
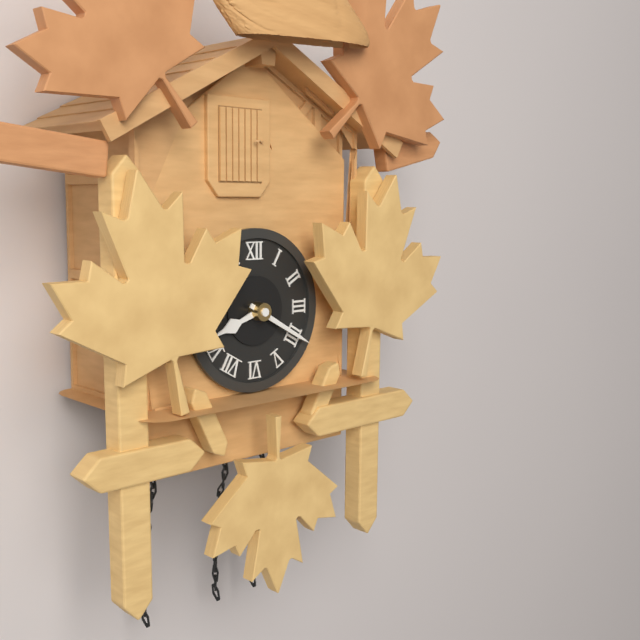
**8:20**
